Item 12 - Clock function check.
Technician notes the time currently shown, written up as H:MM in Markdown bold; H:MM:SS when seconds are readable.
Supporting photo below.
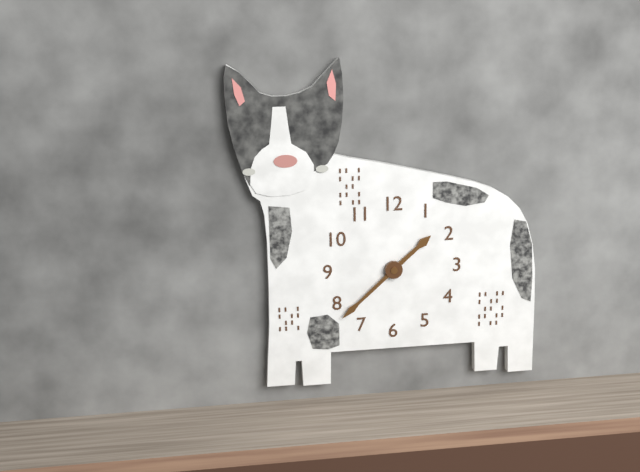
**1:38**
